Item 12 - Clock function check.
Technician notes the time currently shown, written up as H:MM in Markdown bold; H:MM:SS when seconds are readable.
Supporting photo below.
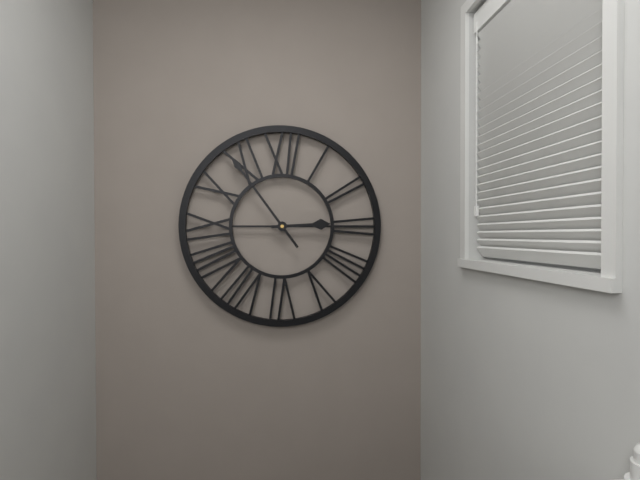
**2:54**
